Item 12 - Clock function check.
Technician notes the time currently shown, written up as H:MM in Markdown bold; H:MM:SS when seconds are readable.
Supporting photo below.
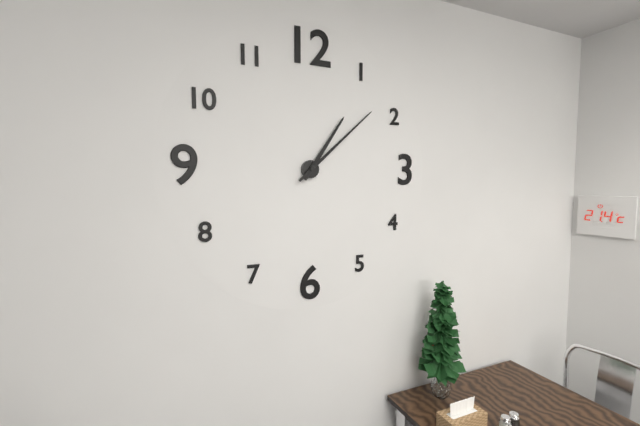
**1:08**
